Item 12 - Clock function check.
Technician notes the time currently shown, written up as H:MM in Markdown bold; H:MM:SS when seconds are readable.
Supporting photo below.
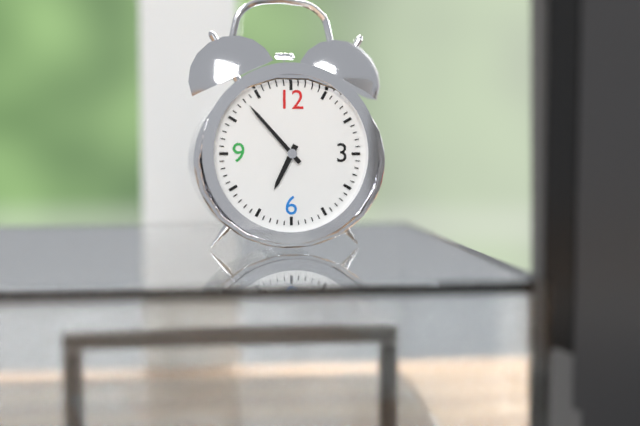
**6:53**
